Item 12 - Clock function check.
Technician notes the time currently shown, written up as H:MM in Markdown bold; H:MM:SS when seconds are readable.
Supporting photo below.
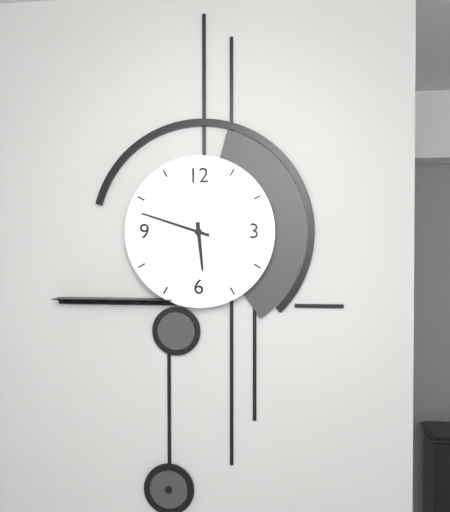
**5:48**
